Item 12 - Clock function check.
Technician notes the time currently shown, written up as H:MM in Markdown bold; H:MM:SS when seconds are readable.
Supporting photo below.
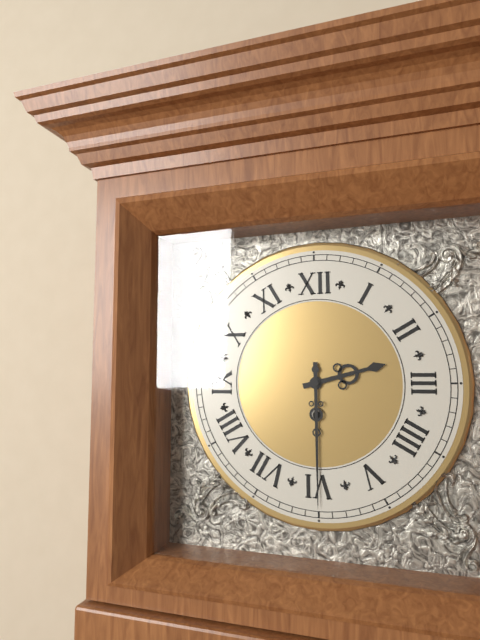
**2:30**
